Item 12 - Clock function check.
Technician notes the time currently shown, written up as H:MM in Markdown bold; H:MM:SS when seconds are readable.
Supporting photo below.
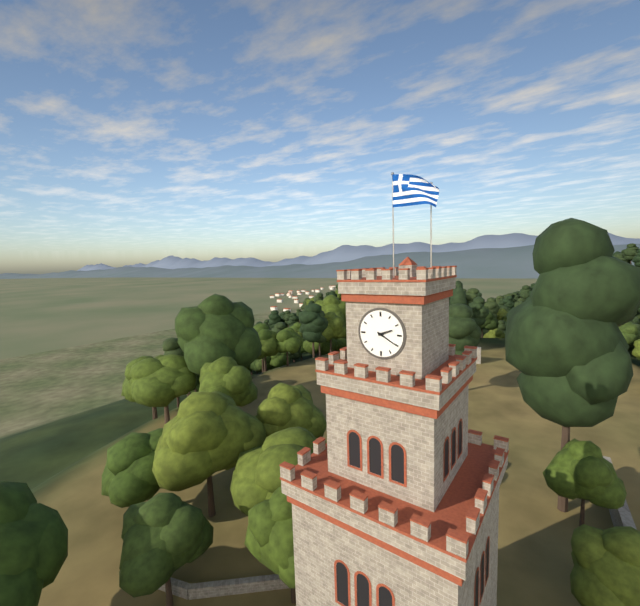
**2:20**
